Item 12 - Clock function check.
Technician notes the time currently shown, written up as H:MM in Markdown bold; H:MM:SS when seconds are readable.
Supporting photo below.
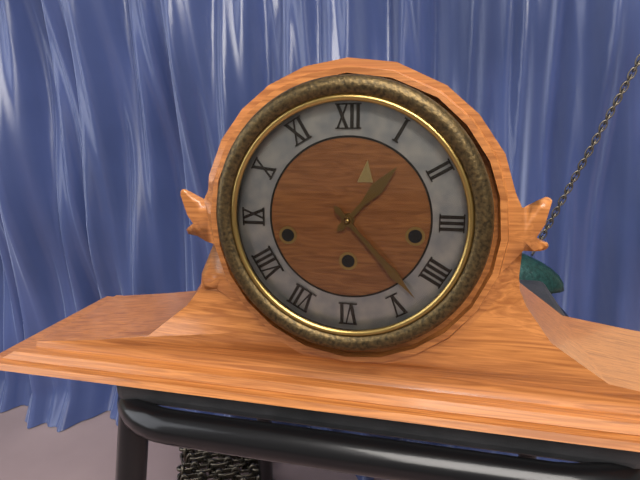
**1:23**
